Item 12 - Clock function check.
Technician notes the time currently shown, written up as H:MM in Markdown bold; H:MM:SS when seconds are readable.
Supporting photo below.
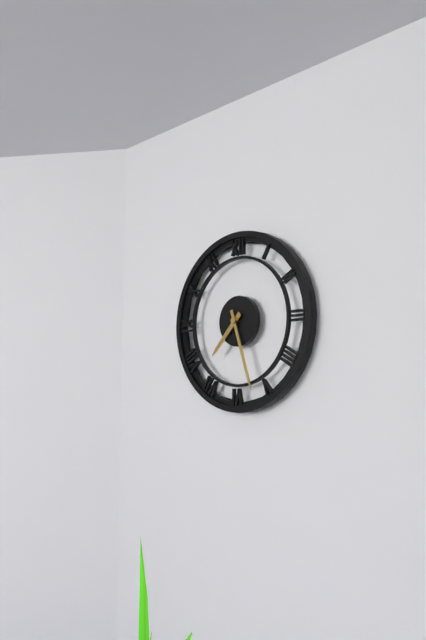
**7:27**
